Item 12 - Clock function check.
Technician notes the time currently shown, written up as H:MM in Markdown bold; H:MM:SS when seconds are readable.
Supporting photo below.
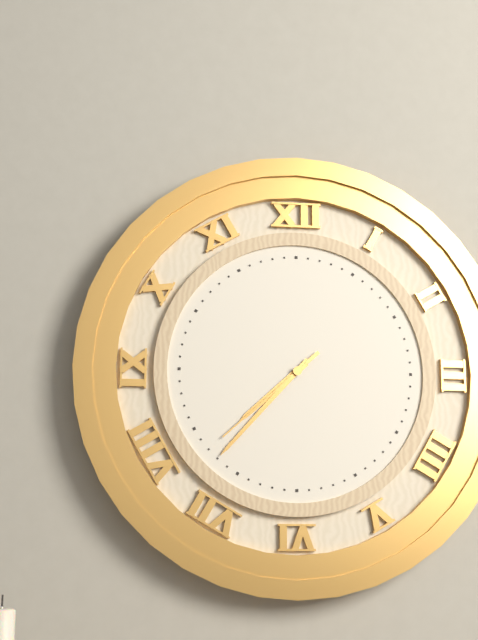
**7:37:38**
